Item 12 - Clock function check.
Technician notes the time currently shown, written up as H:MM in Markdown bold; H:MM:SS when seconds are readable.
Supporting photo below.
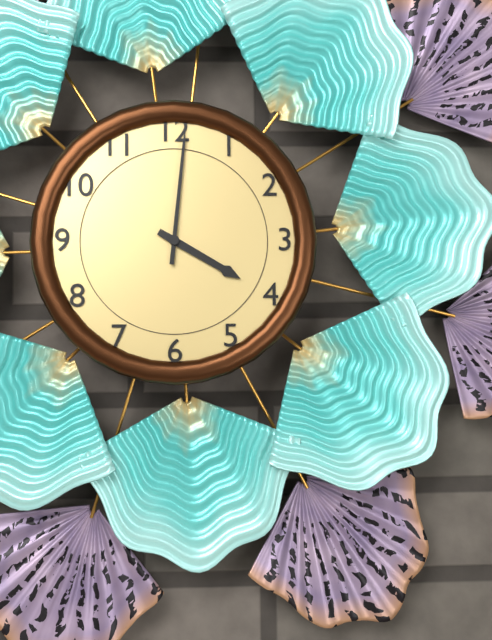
**4:01**
